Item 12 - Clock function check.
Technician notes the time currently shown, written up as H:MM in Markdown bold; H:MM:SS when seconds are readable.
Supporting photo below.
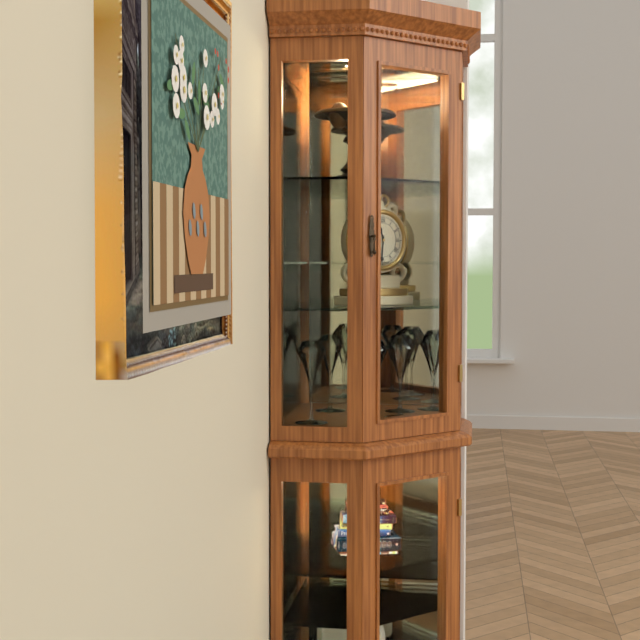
**11:31**
